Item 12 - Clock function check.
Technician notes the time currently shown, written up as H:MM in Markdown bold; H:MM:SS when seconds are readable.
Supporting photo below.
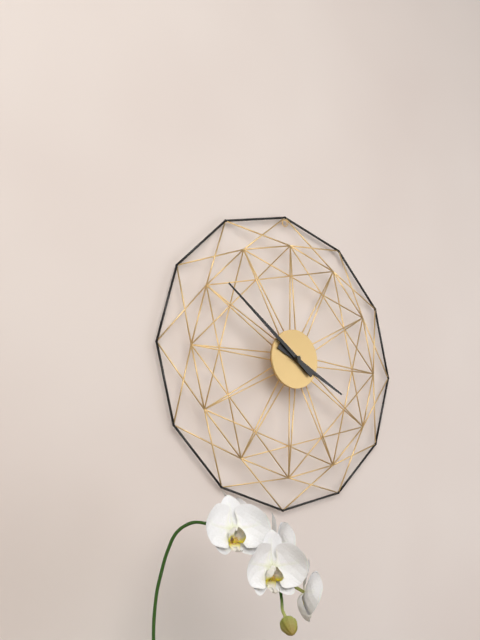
**3:51**
